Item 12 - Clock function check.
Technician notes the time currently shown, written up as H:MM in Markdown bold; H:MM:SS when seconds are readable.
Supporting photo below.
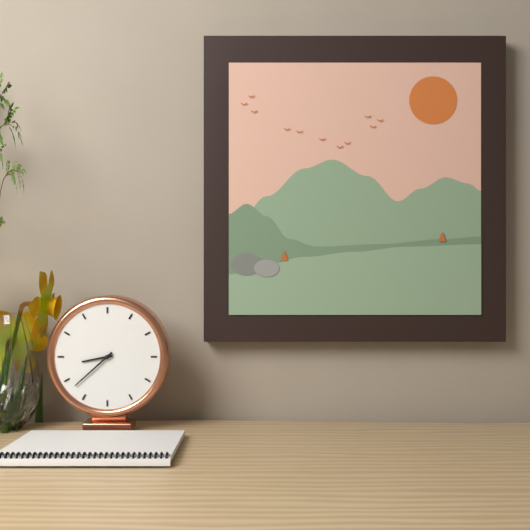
**8:38**
